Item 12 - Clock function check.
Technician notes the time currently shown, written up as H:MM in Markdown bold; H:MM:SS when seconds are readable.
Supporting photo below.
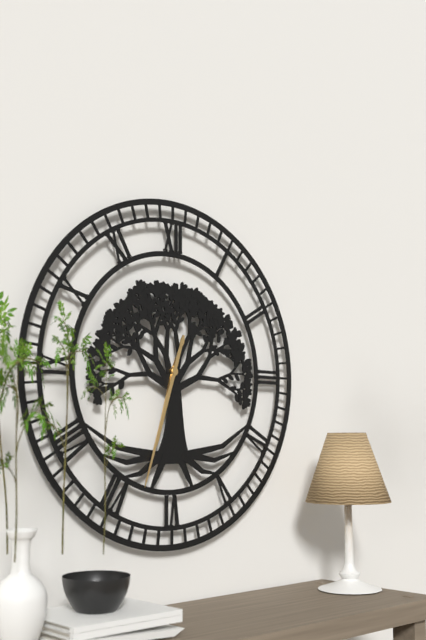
**6:33**
